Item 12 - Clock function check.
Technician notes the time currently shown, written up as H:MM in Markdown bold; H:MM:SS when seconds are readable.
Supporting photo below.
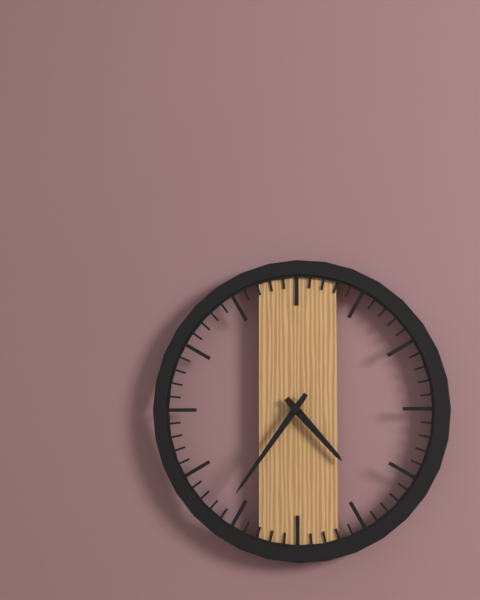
**4:36**
